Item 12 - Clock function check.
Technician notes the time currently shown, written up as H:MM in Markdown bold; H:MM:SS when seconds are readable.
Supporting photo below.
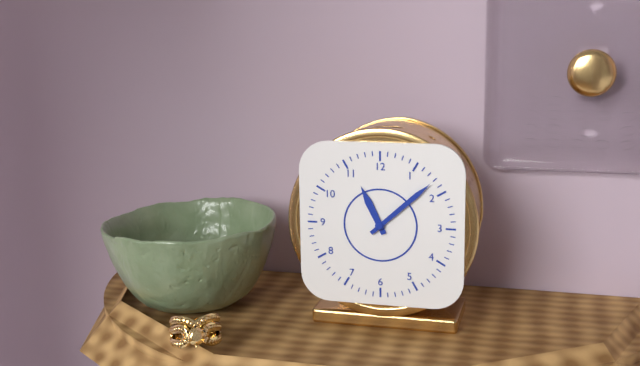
**11:08**
